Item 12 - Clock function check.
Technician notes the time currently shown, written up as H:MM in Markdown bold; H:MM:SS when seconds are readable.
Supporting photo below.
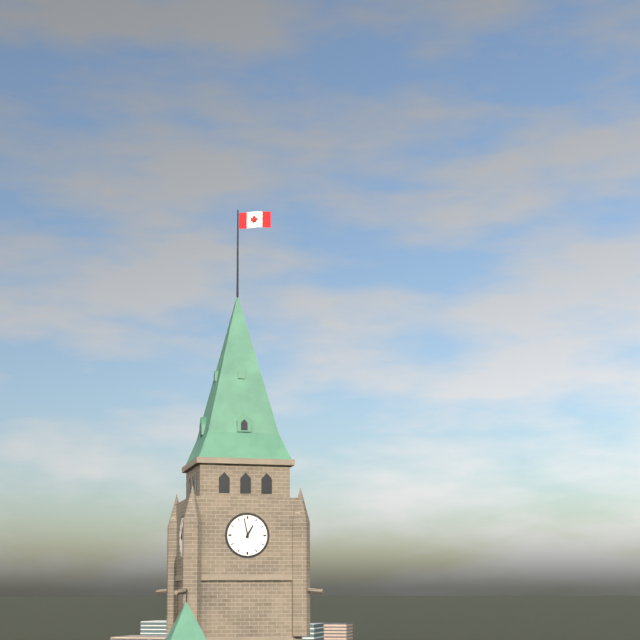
**12:58**
